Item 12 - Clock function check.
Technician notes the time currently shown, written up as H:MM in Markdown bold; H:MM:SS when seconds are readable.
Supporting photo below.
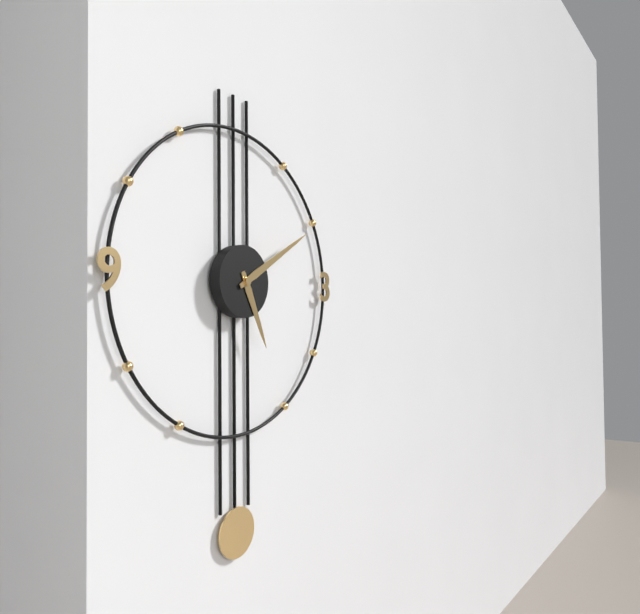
**5:10**
